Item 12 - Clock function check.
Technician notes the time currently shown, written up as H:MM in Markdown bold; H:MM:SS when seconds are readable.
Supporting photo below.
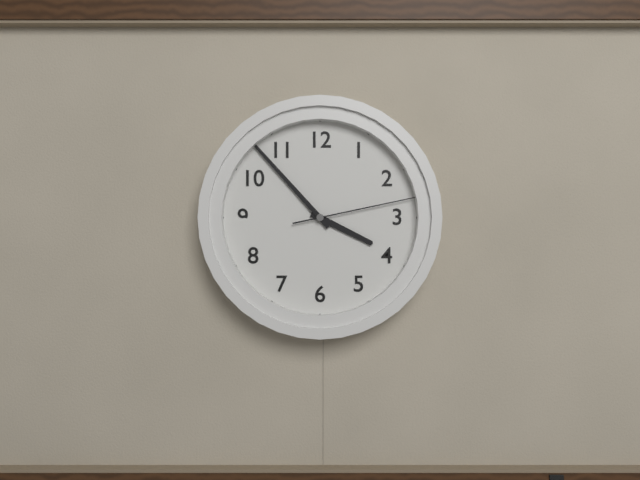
**3:53:13**
